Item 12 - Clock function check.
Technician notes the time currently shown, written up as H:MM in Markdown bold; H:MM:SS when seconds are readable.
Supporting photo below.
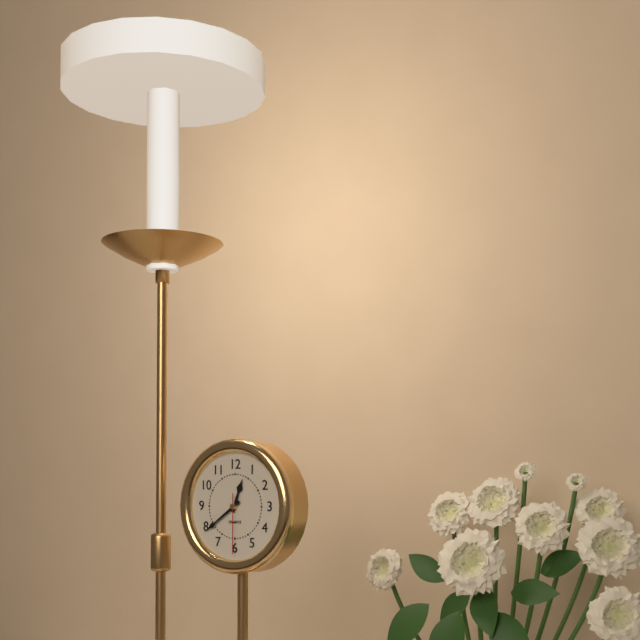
**12:39:30**
